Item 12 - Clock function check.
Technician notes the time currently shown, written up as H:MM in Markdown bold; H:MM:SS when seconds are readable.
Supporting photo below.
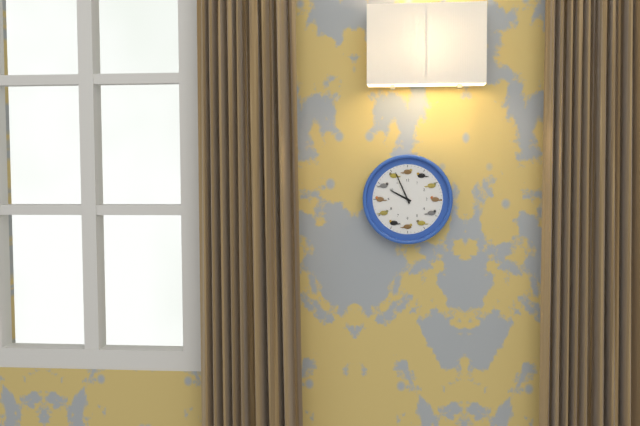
**9:56**
